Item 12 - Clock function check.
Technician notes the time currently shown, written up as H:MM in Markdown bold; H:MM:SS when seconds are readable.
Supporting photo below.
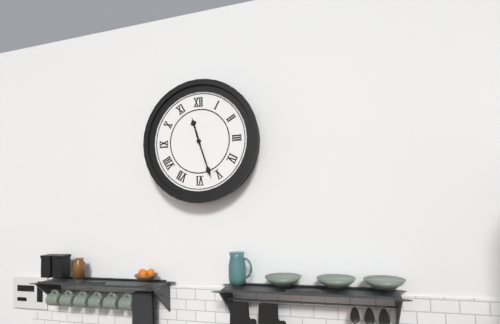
**11:27**
